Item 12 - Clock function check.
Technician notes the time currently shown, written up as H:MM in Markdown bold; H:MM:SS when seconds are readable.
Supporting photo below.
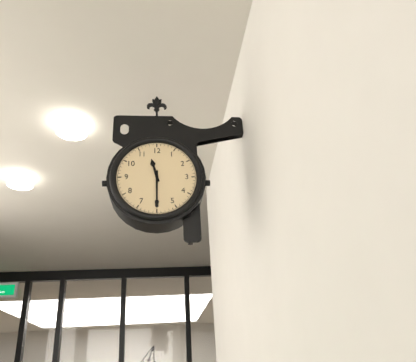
**11:30**
